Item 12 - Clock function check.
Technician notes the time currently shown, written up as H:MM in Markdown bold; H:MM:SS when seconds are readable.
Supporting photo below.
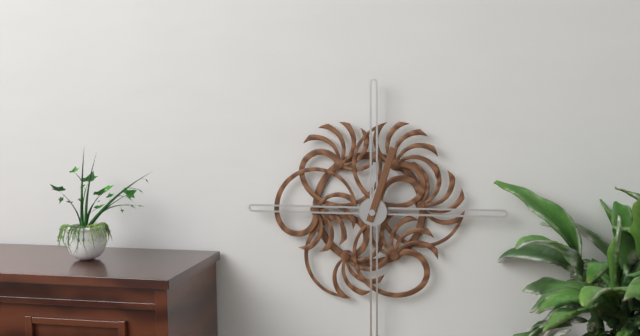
**12:03**
